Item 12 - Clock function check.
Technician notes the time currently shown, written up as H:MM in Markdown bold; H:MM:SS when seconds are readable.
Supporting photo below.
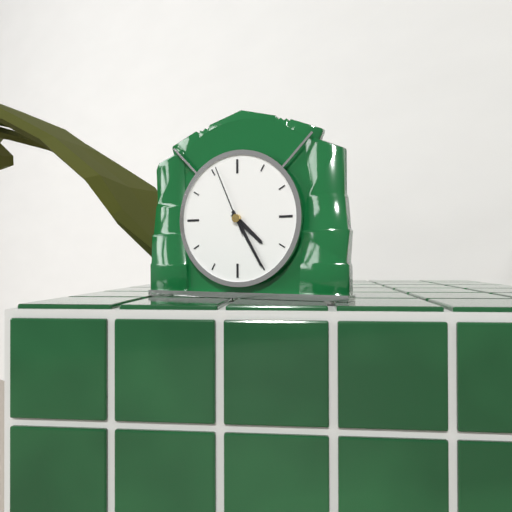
**4:25:56**
